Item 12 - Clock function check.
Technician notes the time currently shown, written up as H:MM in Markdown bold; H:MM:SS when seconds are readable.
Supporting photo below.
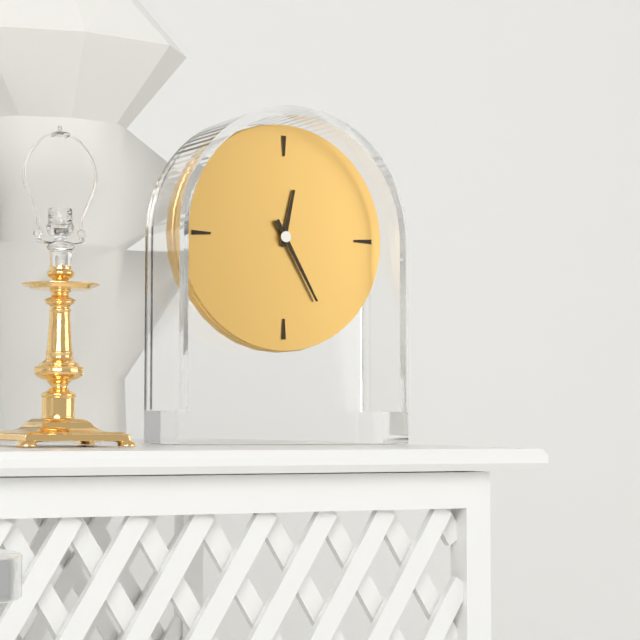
**12:25**
